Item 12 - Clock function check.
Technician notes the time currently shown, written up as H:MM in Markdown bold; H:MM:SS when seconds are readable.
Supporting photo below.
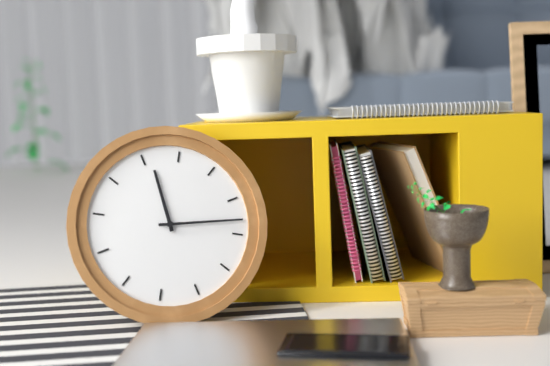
**11:13**
